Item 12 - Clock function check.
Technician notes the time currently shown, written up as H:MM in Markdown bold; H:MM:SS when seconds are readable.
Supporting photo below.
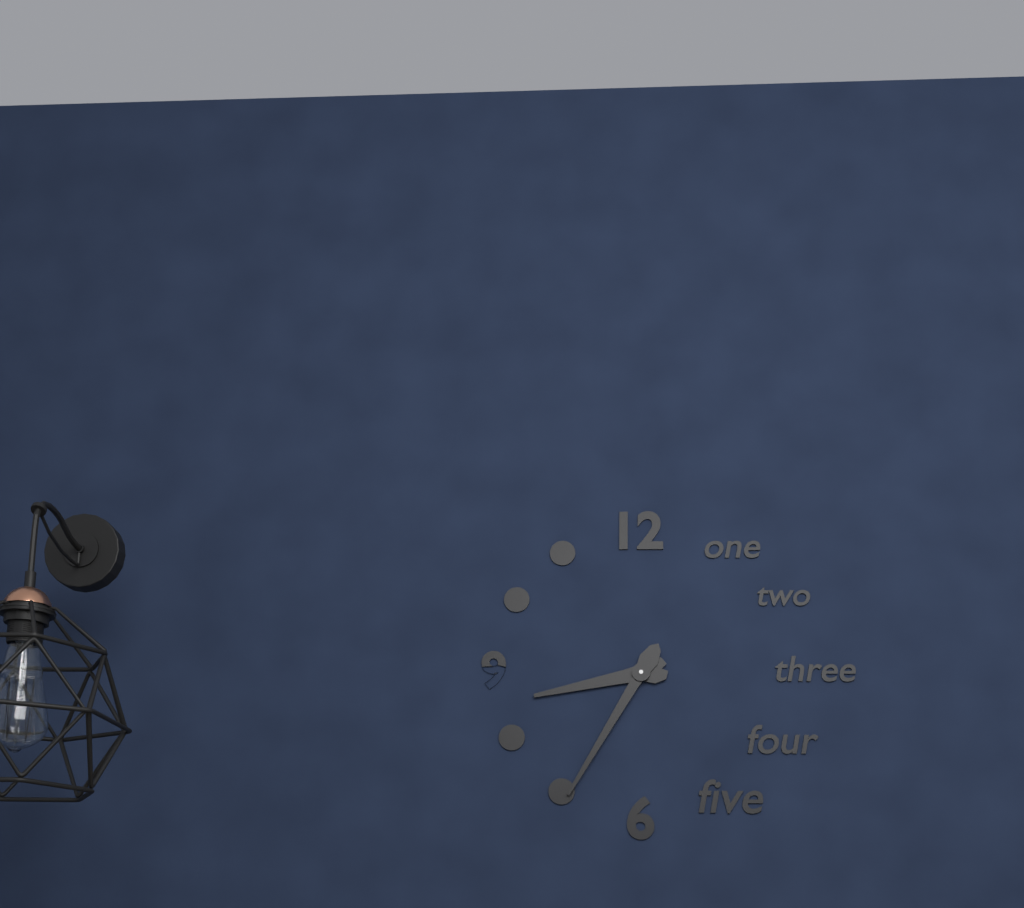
**8:35**
